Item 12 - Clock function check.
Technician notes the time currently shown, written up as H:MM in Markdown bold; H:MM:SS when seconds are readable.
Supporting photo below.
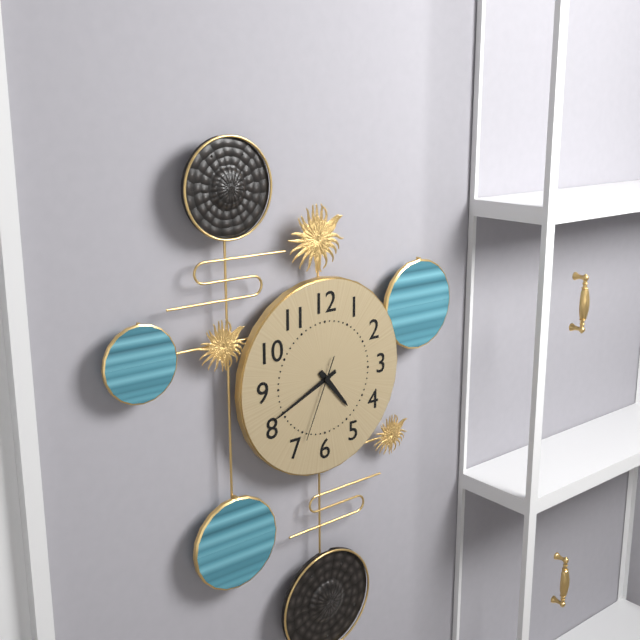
**4:41:34**
